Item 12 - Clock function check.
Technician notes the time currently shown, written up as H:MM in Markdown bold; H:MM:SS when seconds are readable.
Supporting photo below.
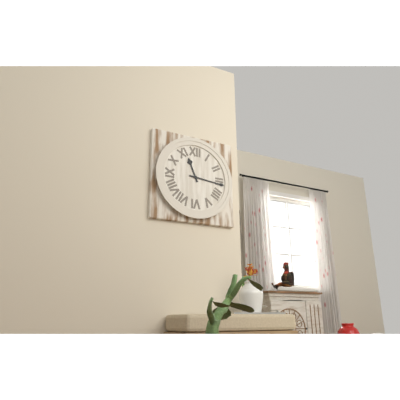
**11:16**
